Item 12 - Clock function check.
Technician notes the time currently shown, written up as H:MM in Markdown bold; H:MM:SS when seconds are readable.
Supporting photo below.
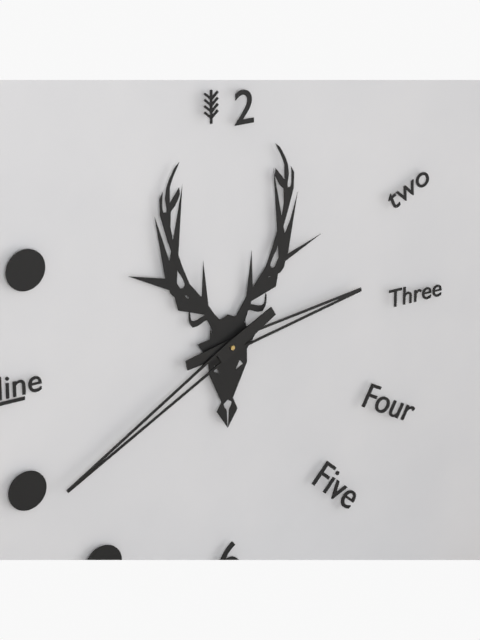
**2:40**
